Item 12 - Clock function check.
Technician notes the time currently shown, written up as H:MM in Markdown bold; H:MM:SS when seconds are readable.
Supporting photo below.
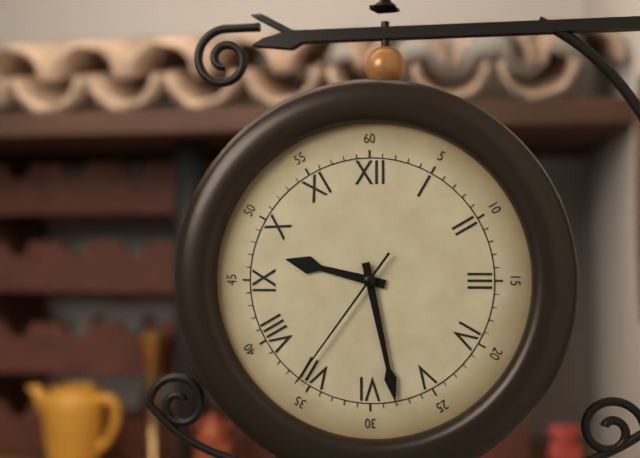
**9:28:36**
